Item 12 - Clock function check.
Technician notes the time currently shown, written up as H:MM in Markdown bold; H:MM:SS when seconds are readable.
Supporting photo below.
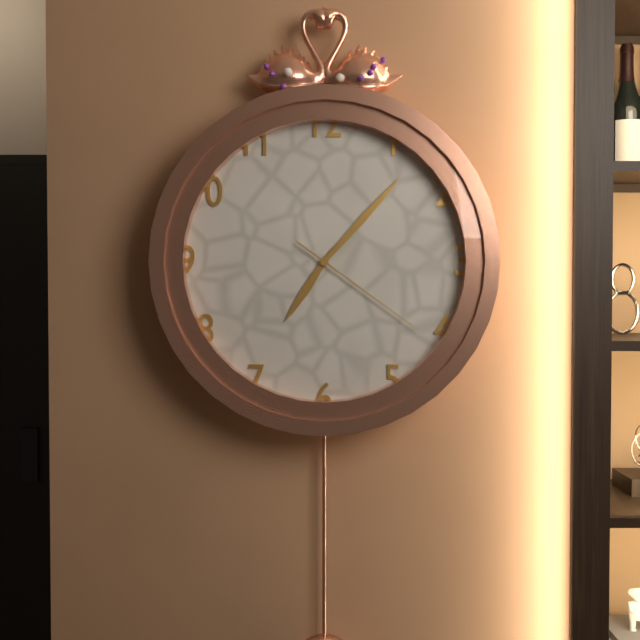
**7:07:21**
